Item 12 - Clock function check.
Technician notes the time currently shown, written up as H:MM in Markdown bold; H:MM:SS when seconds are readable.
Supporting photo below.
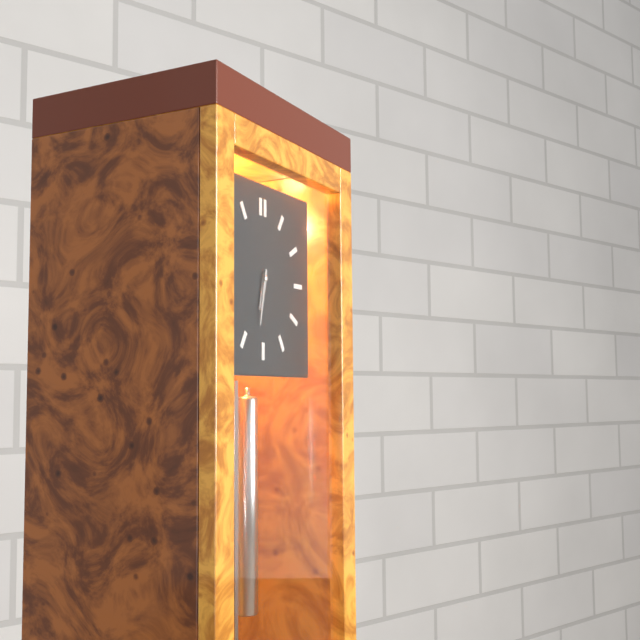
**6:32**
